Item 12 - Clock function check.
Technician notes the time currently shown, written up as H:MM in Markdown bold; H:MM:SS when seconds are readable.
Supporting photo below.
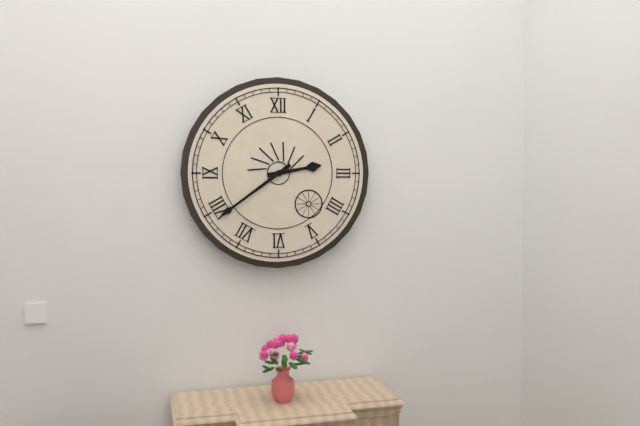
**2:39**
